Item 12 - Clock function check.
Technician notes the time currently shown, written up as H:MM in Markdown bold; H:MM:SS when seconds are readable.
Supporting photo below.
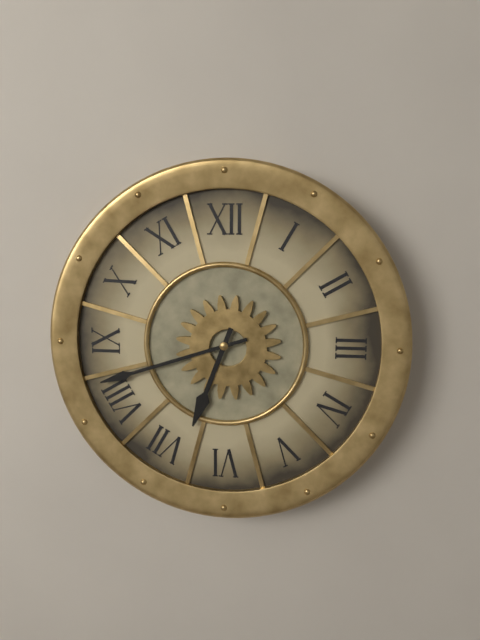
**6:42**
